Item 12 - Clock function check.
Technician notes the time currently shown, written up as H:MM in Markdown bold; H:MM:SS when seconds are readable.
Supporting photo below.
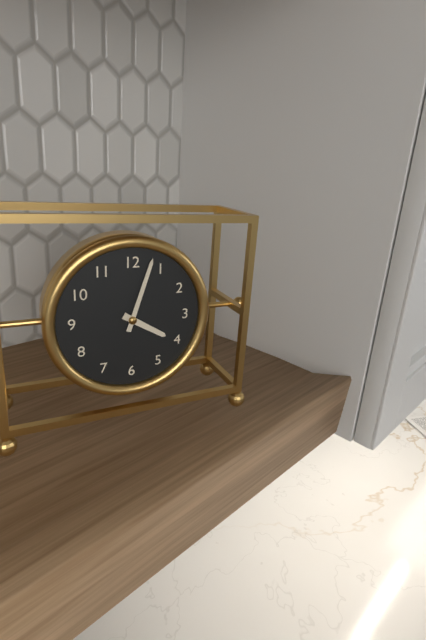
**4:03**
